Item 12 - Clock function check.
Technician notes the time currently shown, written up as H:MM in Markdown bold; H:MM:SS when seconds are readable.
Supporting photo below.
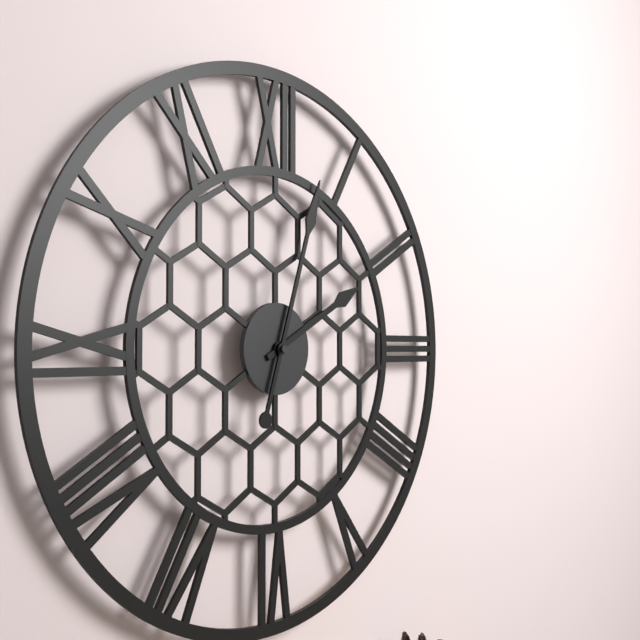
**2:03**
